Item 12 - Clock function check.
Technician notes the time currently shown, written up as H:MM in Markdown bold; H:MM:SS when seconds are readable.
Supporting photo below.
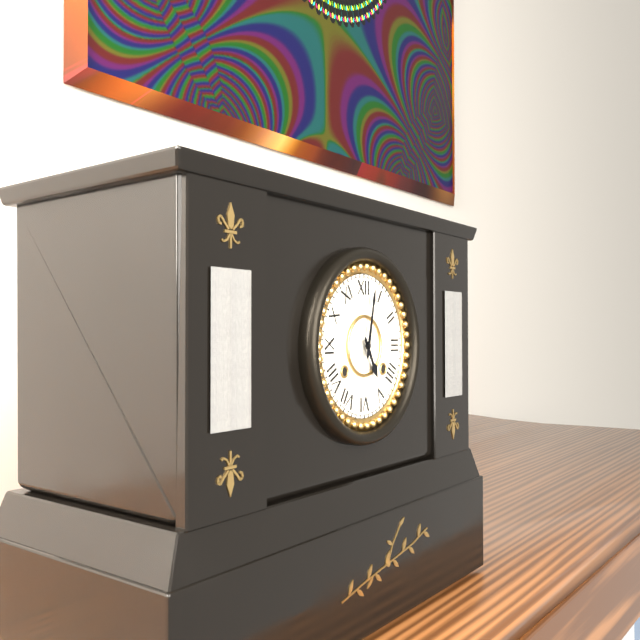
**5:02**
